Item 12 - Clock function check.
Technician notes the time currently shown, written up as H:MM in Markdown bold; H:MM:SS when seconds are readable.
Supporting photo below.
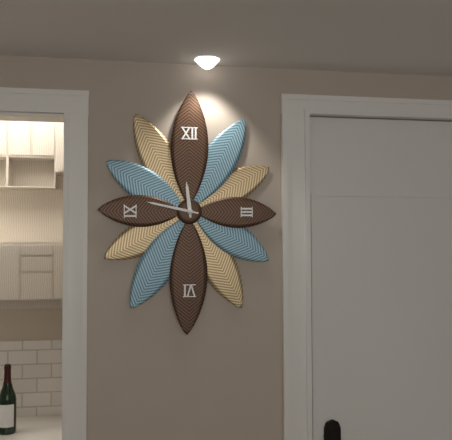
**11:47**
